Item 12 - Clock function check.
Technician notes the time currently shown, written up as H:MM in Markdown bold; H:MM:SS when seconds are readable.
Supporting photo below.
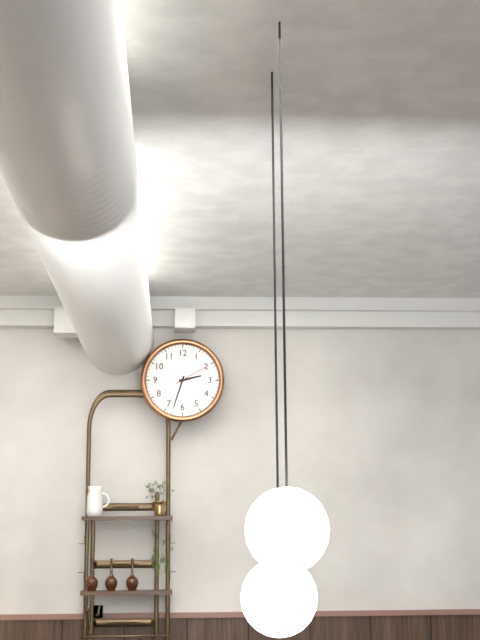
**2:33**
